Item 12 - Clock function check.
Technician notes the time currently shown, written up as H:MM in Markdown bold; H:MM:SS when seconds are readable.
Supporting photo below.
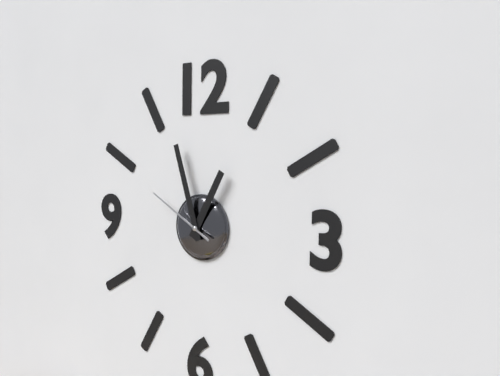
**12:57:50**
